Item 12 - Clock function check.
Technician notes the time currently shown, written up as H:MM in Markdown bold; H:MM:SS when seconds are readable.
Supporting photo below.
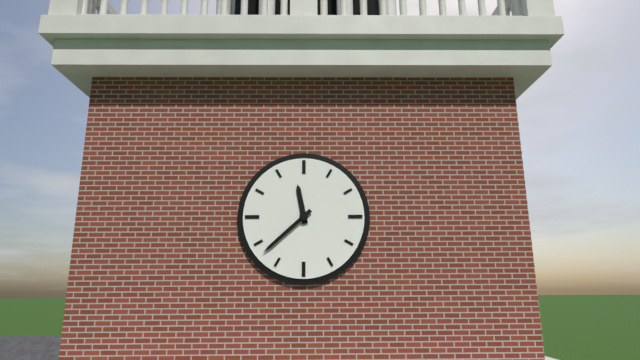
**11:38**
